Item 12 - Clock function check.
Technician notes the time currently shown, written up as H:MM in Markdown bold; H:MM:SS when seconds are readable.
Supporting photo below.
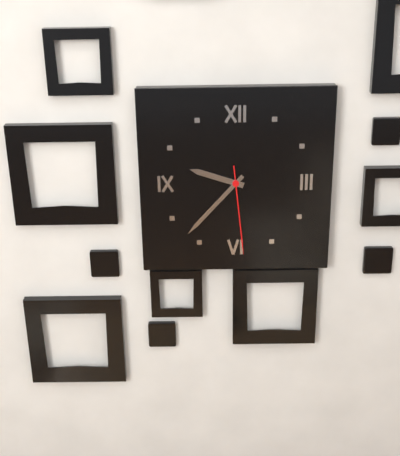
**9:37:29**
